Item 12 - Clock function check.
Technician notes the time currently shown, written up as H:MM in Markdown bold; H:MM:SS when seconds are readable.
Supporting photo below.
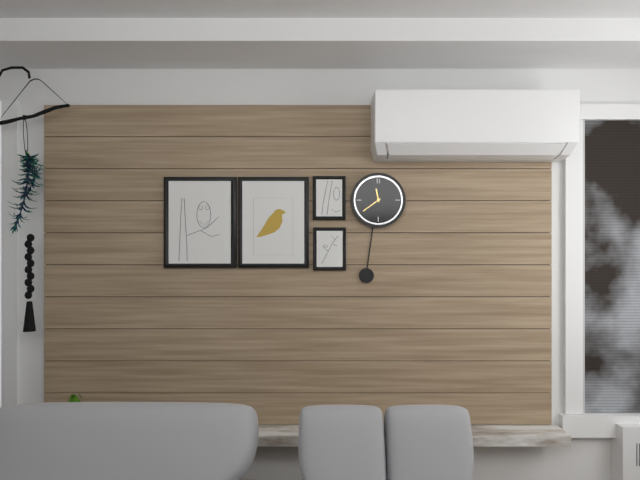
**11:39**
